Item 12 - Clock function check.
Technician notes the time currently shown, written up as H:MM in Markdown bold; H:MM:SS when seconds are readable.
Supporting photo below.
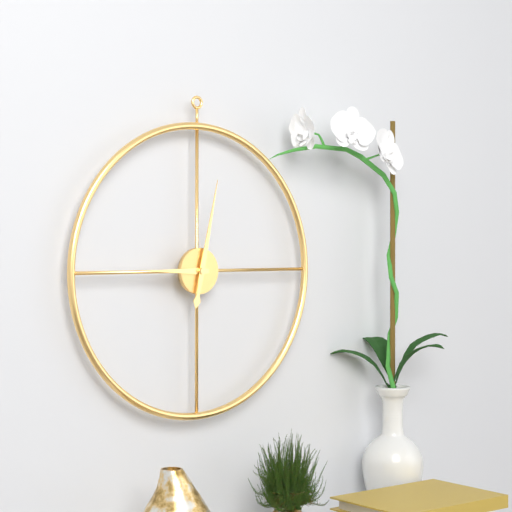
**9:02**
